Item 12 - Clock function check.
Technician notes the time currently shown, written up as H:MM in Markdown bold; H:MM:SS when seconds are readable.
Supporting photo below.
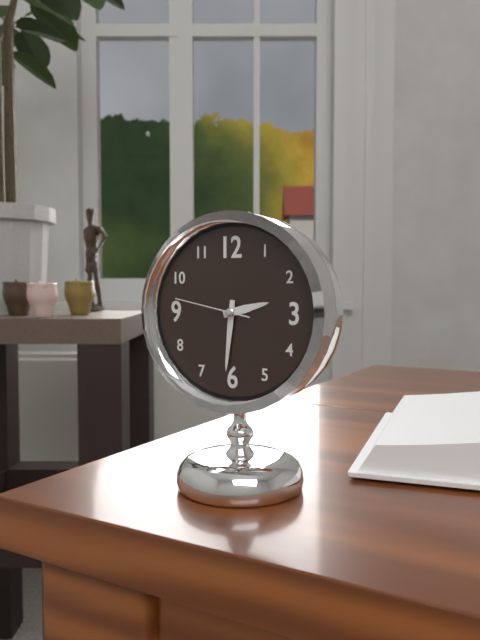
**2:31:47**
